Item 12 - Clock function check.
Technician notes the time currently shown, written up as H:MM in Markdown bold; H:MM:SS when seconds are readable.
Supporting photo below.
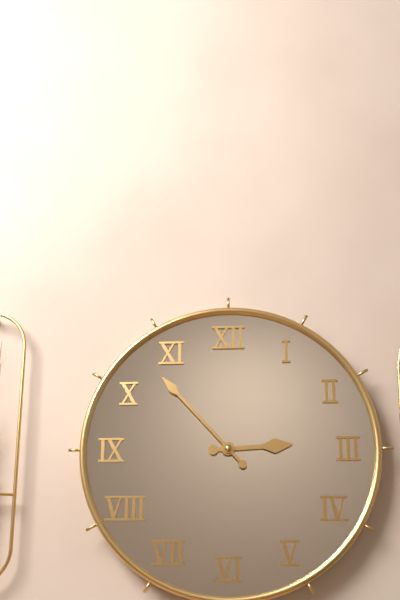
**2:53**
